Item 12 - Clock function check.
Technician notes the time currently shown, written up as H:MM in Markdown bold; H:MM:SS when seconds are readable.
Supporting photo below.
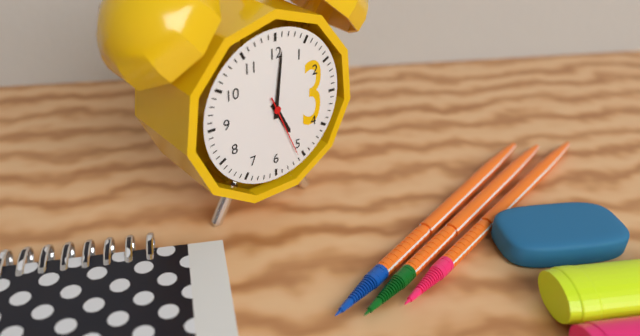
**5:01:26**
